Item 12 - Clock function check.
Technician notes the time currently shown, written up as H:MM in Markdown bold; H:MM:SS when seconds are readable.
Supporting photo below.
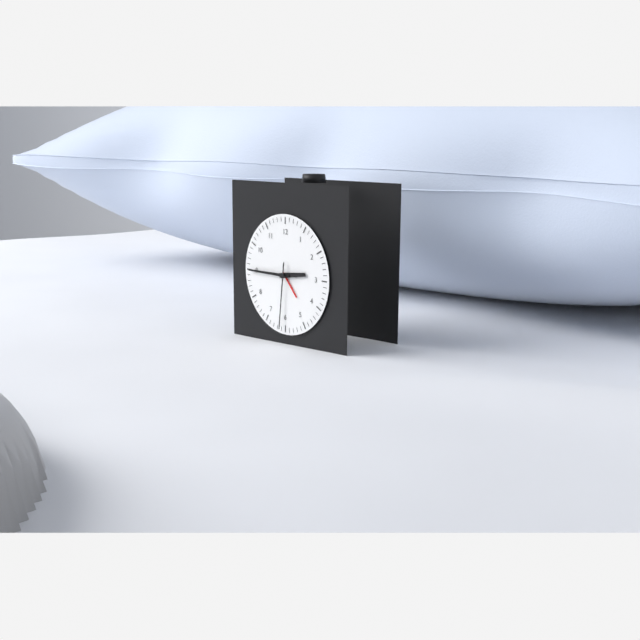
**2:45:31**
